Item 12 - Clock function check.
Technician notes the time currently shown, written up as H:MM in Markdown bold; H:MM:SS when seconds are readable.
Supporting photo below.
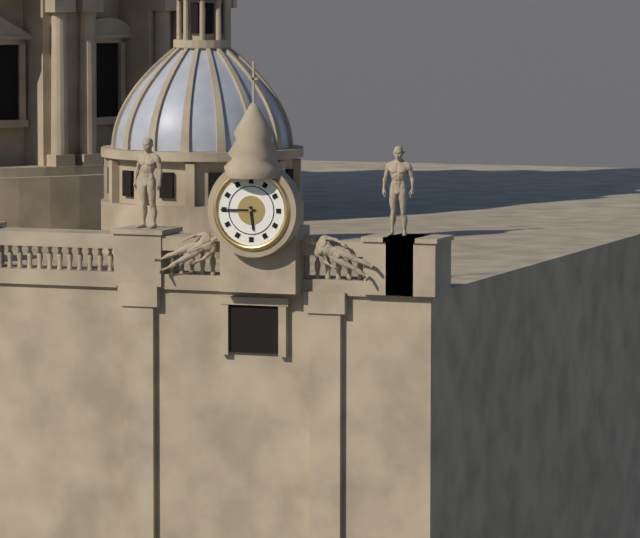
**5:45**
